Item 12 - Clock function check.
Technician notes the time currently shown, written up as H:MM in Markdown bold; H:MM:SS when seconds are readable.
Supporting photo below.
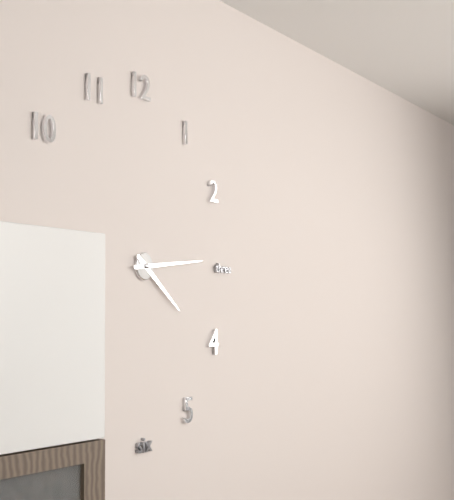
**4:14**
